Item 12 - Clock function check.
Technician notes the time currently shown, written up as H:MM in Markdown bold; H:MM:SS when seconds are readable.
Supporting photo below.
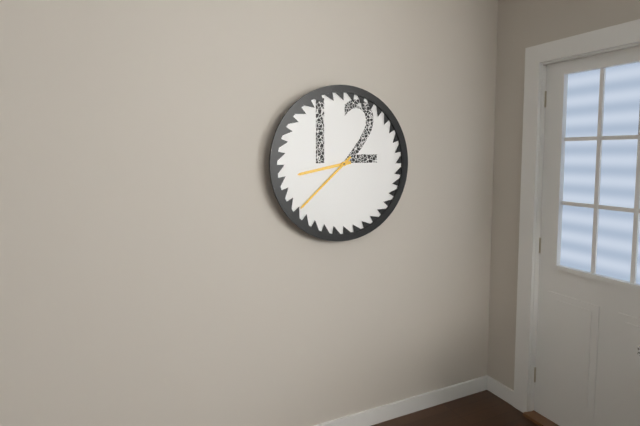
**8:38**
